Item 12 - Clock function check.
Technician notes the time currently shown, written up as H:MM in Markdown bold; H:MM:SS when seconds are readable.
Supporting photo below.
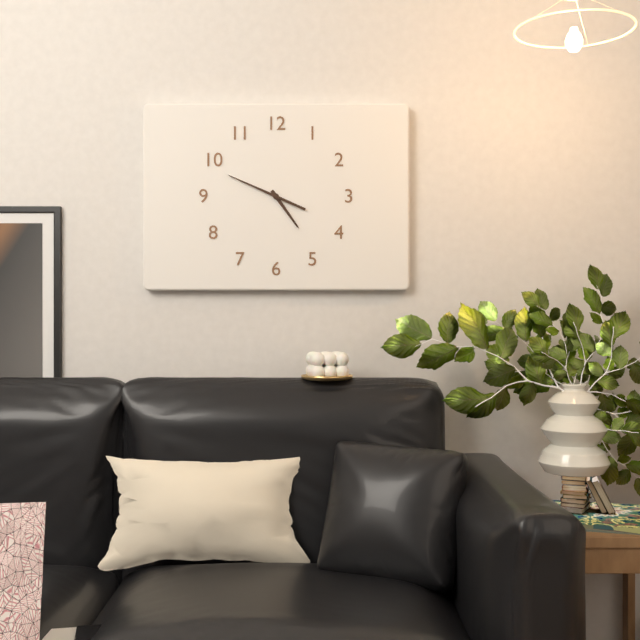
**4:49**
